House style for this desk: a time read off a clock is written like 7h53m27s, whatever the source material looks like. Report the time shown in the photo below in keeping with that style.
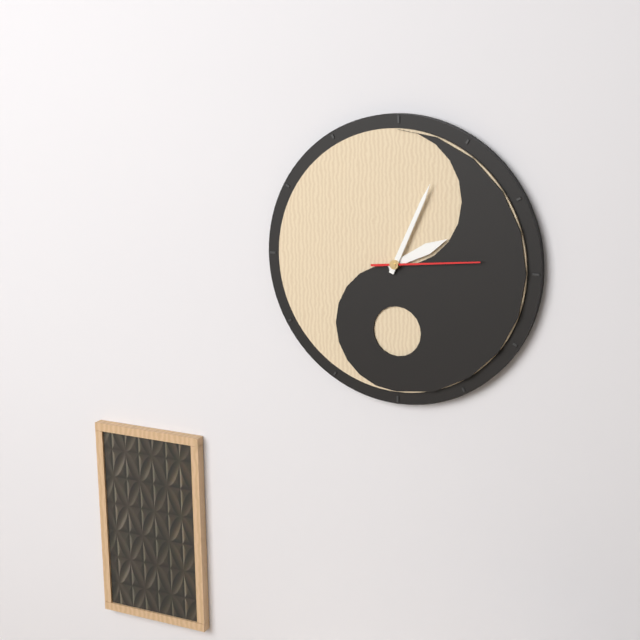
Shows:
2h04m14s
